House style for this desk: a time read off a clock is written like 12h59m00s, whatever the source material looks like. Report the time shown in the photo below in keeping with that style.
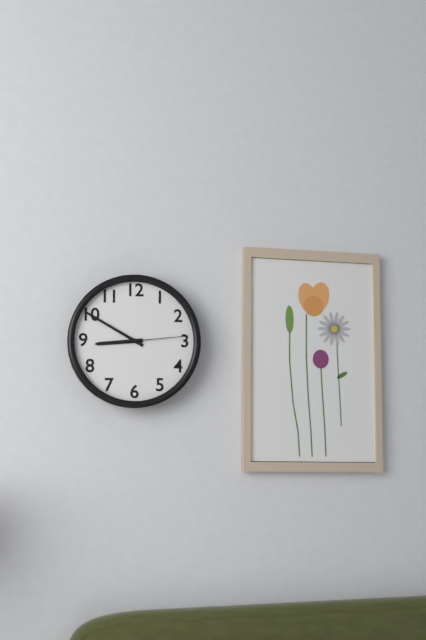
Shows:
8h50m14s
